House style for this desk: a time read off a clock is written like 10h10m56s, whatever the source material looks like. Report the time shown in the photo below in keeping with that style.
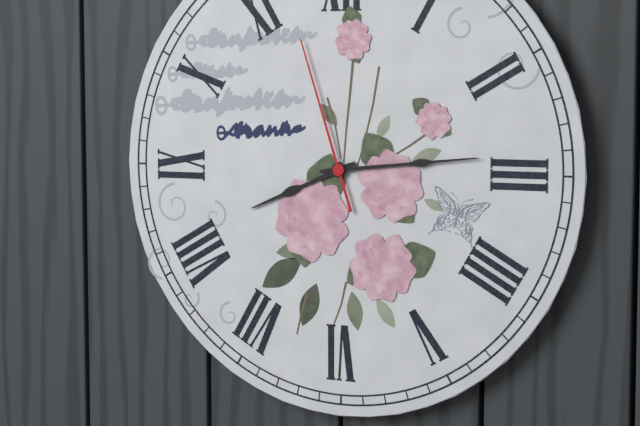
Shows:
8h14m57s
